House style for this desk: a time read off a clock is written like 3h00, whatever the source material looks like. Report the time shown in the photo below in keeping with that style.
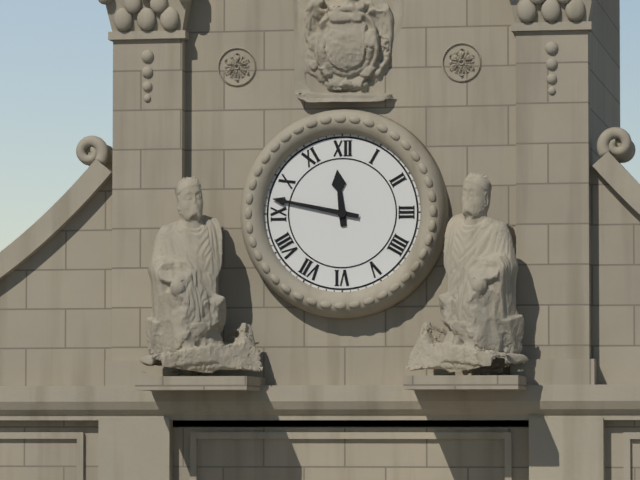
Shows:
11h47
